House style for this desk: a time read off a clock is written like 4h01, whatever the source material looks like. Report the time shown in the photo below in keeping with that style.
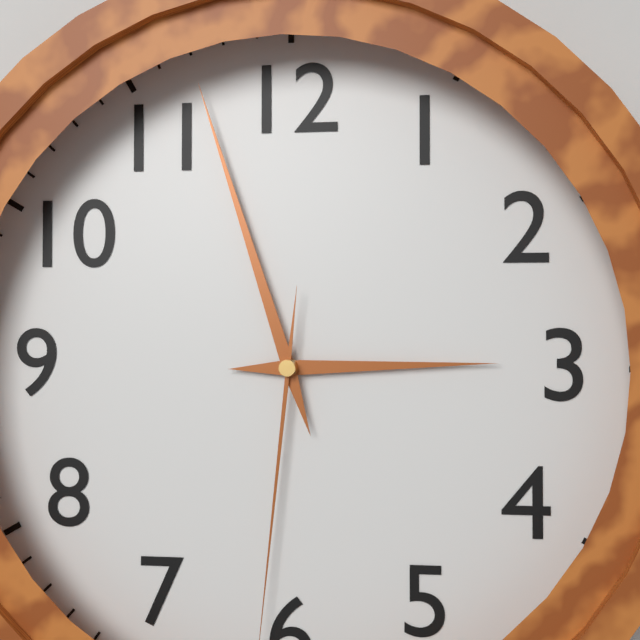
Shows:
2h57
